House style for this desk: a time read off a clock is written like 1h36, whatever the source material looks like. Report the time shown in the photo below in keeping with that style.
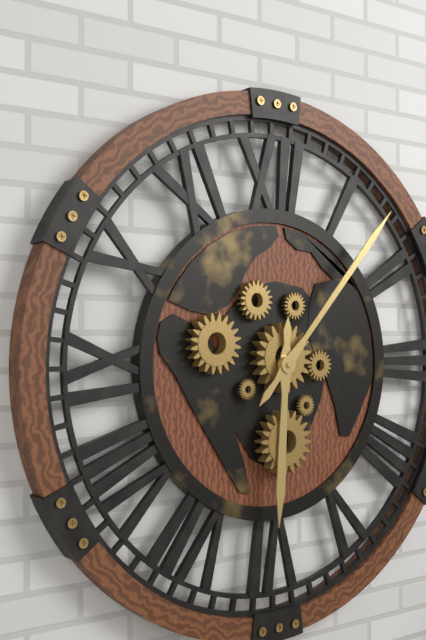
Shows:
6h07
